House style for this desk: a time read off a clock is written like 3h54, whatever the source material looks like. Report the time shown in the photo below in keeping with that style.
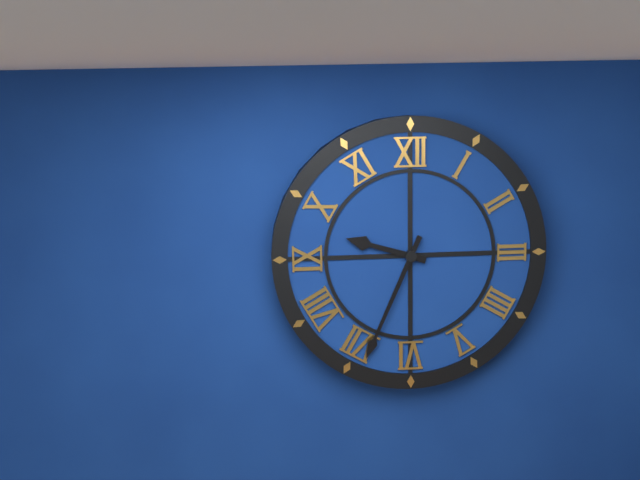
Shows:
9h34
